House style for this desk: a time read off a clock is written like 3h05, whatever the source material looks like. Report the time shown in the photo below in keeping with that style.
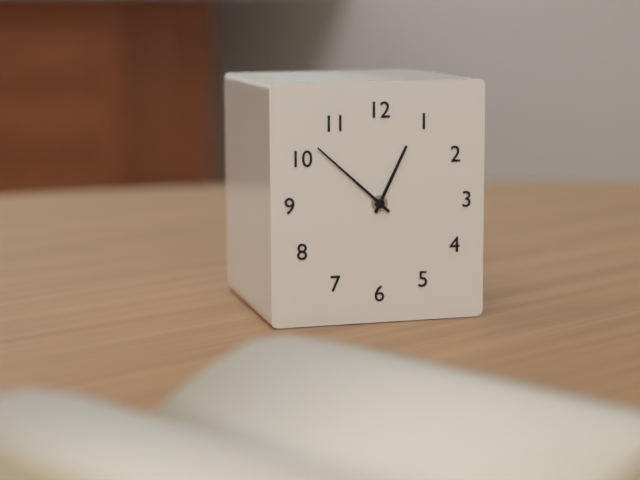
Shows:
12h52
